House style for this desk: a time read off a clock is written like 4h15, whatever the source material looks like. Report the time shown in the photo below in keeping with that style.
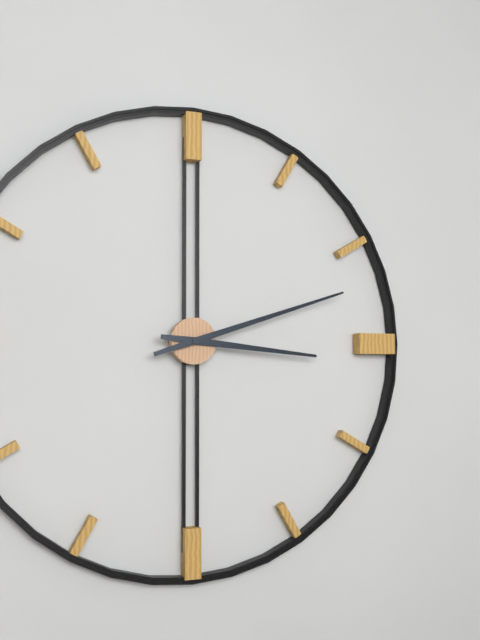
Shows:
3h12
